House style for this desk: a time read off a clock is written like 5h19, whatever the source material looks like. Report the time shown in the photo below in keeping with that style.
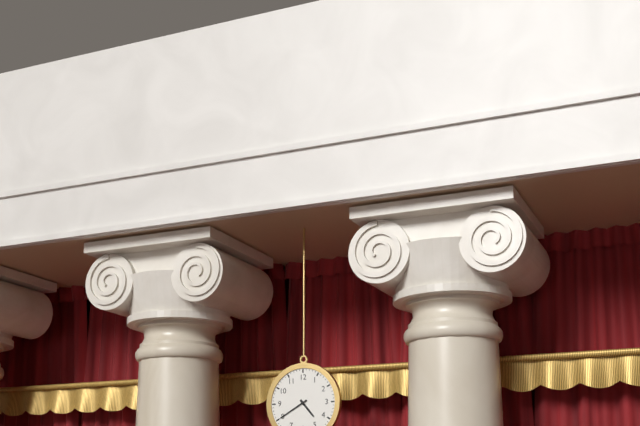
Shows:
4h40
